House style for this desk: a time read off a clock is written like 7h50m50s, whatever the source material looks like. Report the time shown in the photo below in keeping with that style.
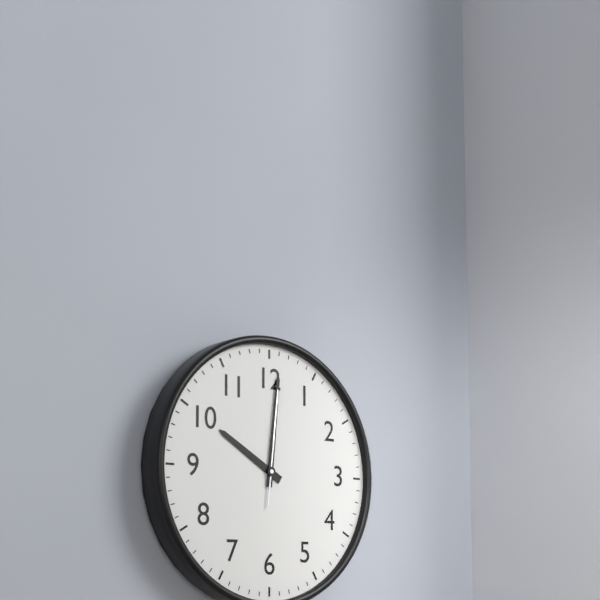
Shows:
10h01m01s
